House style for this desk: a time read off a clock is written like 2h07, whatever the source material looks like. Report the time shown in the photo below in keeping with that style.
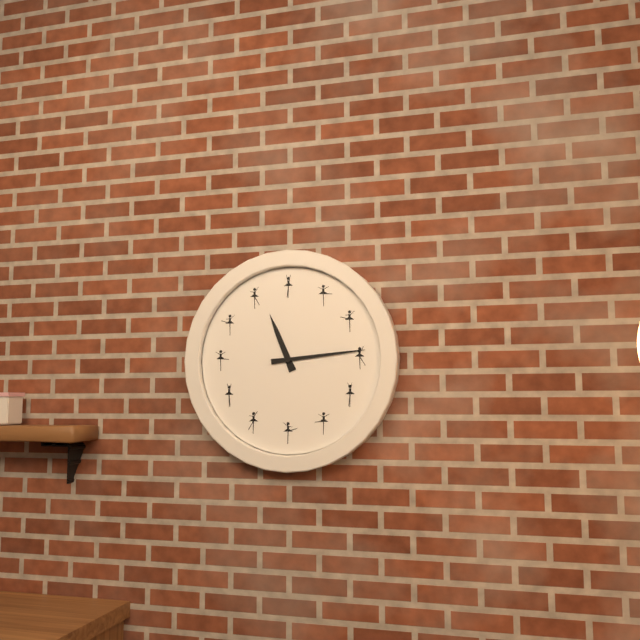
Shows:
11h14
